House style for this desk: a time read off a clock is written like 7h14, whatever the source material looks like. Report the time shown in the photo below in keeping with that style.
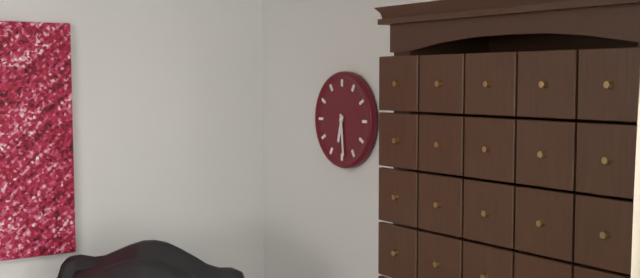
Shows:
6h29
